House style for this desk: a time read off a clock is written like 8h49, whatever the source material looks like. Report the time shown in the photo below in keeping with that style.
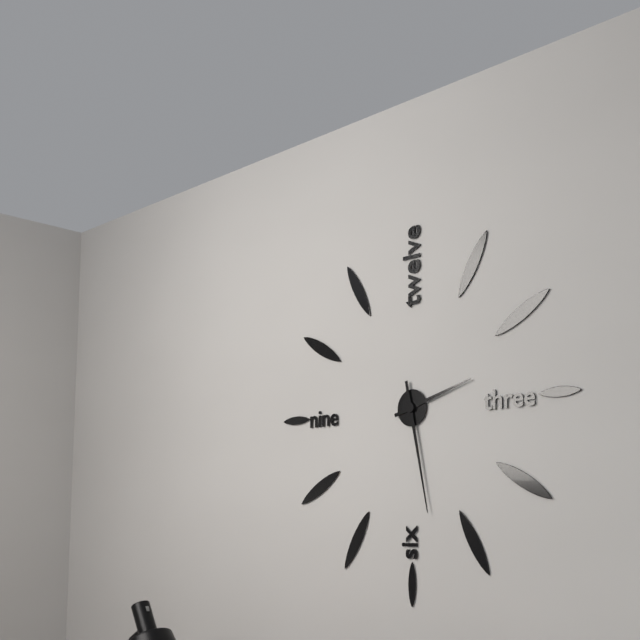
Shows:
2h28
